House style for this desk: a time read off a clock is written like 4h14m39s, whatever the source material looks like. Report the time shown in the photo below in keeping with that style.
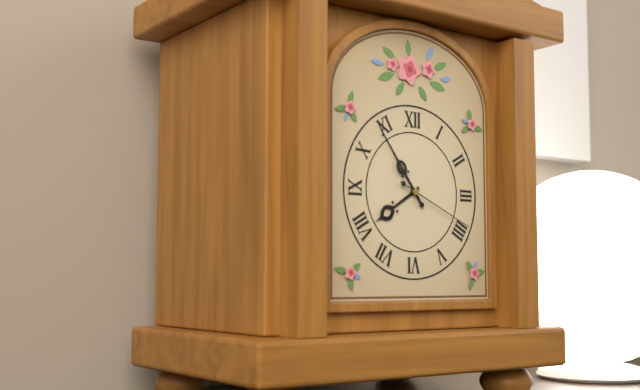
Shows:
7h54m19s
